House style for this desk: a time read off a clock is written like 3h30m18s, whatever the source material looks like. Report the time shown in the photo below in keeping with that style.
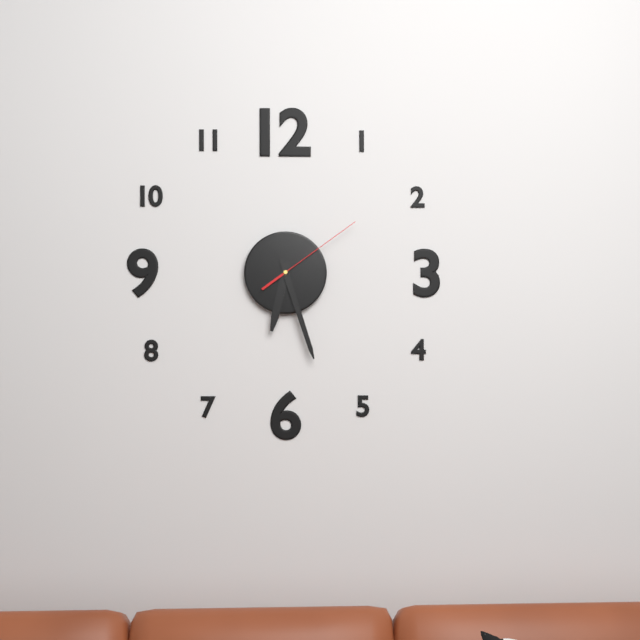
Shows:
6h27m09s
